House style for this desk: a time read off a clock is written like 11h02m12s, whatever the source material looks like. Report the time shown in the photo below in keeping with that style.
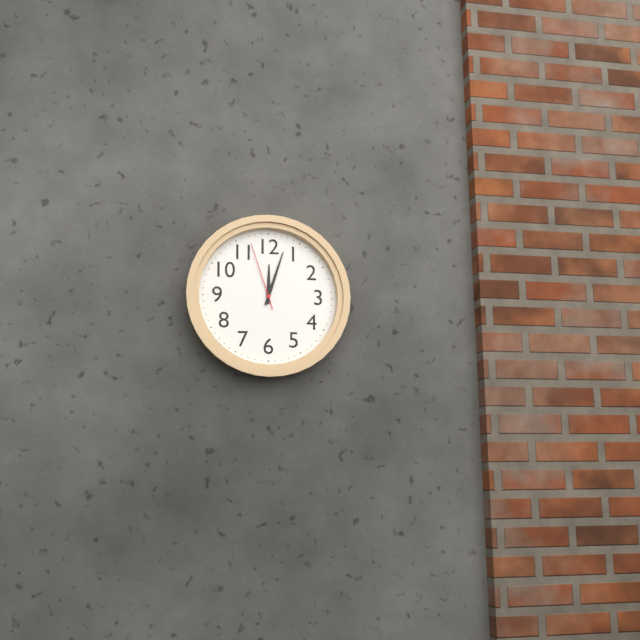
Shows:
12h03m57s
